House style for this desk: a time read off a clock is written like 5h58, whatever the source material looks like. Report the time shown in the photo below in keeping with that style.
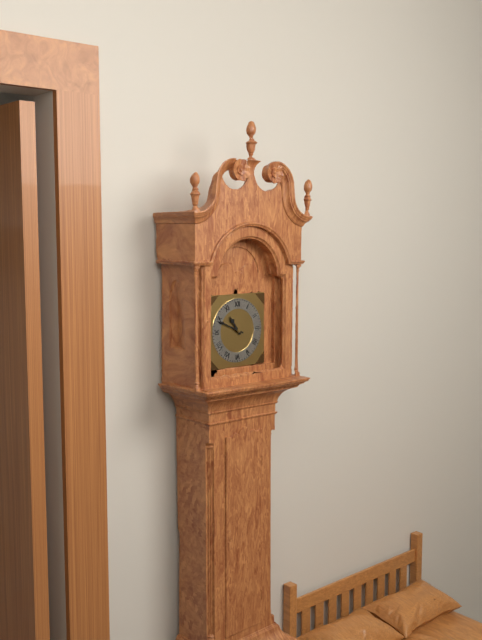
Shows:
10h49
